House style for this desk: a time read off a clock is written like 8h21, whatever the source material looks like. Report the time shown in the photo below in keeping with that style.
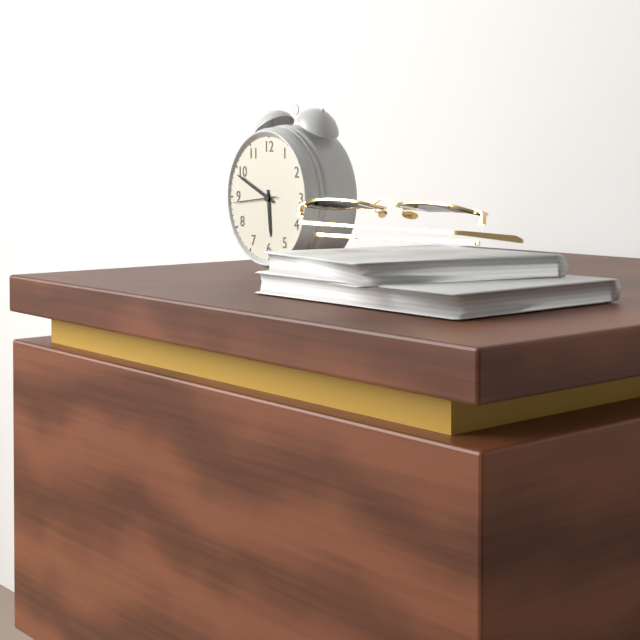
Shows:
5h49
